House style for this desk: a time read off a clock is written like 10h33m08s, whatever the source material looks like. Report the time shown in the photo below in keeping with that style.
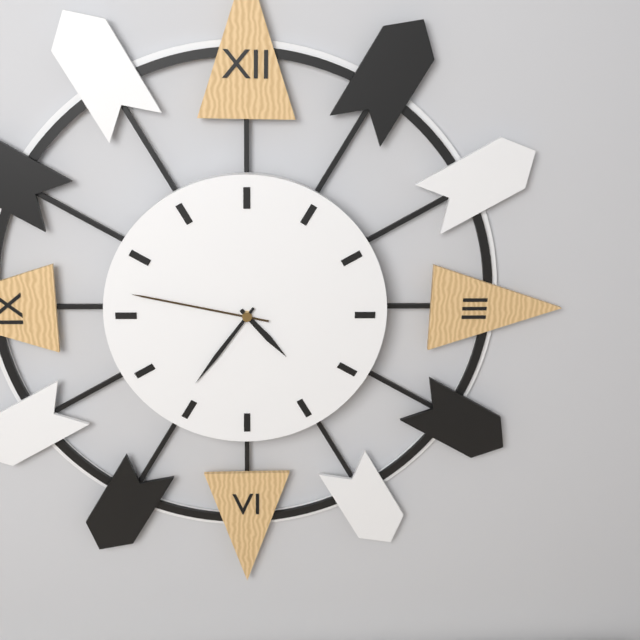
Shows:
4h36m47s
